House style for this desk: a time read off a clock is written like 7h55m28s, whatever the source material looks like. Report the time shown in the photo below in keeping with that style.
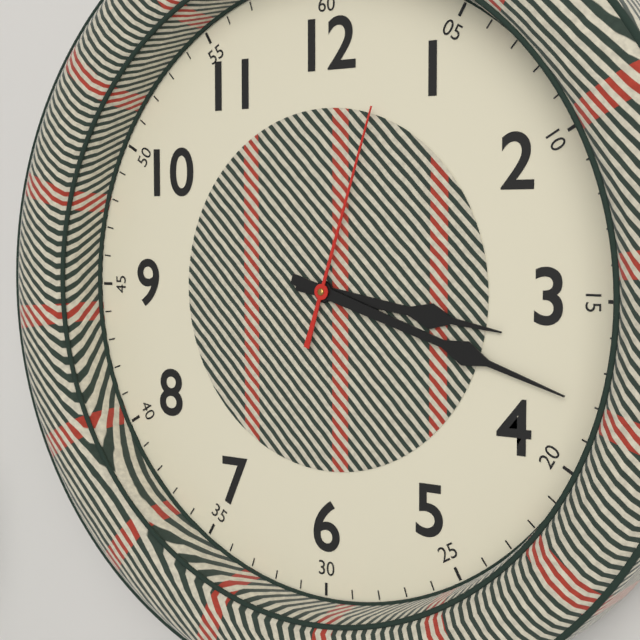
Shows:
3h18m03s
